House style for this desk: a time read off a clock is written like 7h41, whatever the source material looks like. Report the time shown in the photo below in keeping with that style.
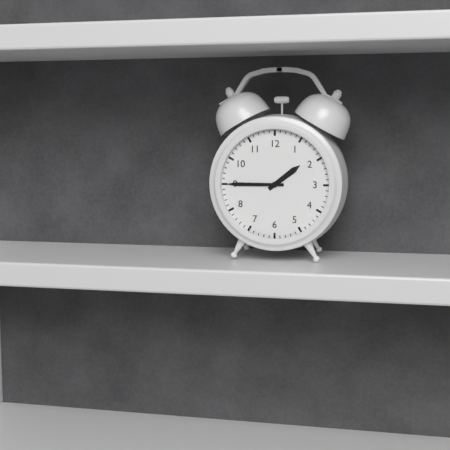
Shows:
1h45
